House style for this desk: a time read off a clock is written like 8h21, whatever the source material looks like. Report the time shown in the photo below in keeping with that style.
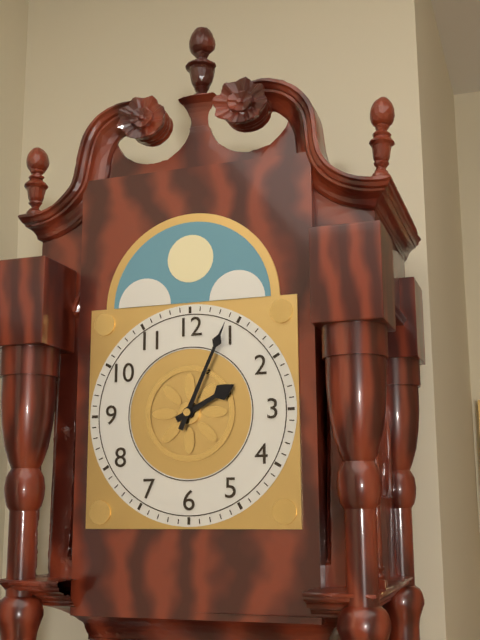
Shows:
2h04
